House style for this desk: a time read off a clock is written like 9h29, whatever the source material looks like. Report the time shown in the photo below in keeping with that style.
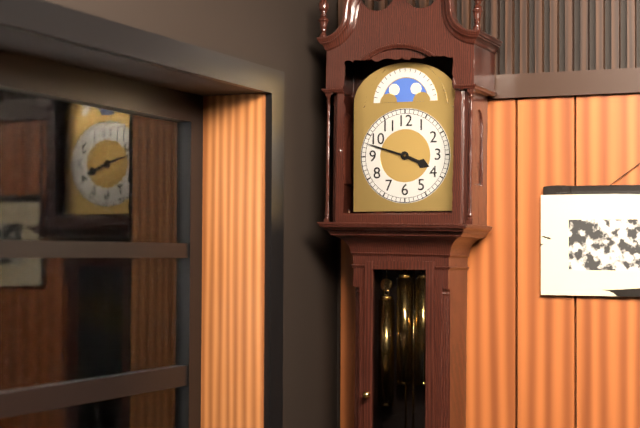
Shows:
3h48
